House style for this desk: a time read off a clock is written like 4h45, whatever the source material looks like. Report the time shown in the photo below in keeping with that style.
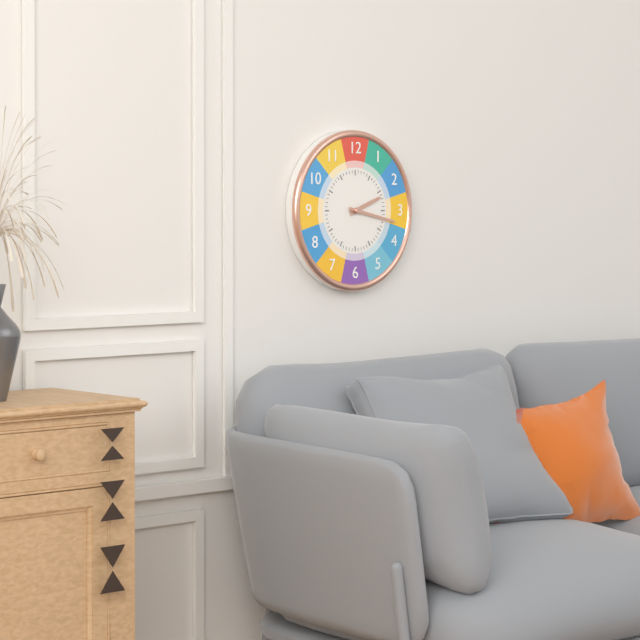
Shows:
2h17
